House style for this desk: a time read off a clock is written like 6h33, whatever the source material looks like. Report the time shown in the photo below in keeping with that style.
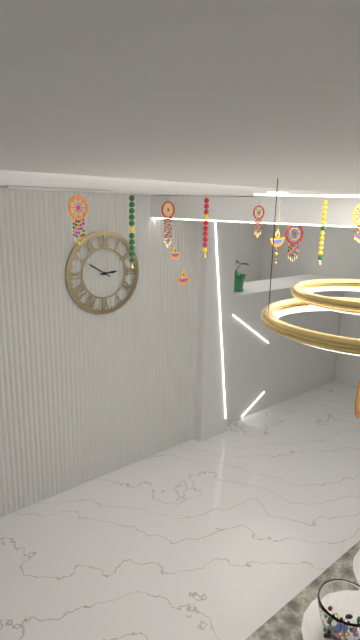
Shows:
2h50
